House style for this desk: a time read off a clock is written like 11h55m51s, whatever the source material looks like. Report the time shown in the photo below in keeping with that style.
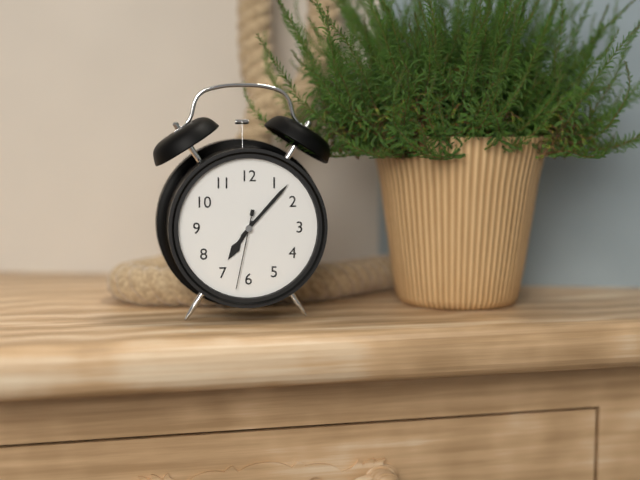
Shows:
7h07m32s
